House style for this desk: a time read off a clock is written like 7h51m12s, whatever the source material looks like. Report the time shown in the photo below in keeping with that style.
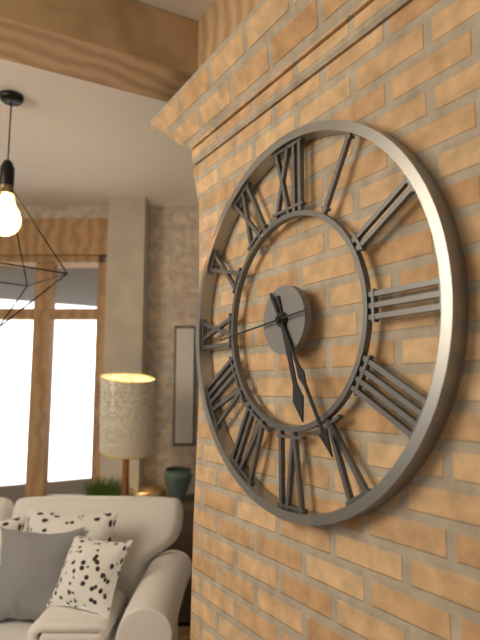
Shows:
5h25m44s
